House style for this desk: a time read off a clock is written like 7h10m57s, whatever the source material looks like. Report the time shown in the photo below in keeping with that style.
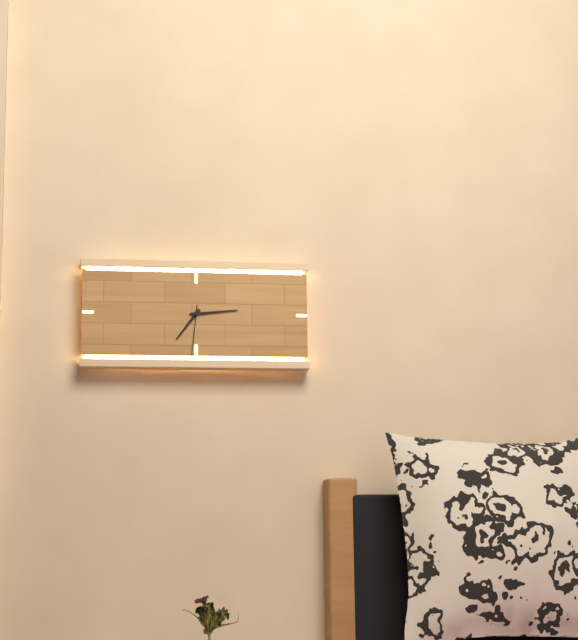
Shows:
7h14m31s
